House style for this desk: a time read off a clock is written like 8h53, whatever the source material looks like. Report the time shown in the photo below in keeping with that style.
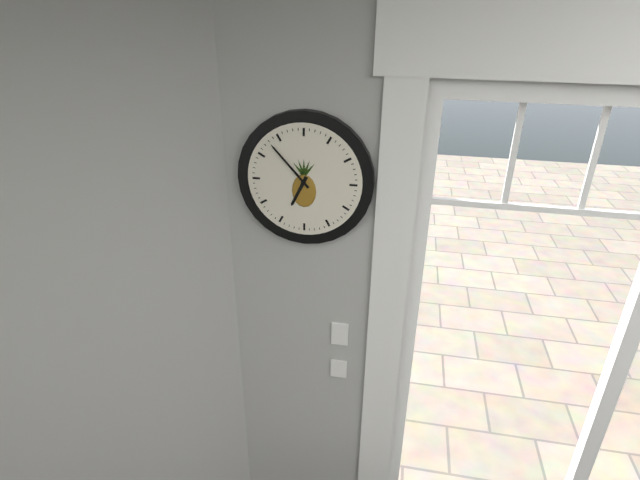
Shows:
6h53
